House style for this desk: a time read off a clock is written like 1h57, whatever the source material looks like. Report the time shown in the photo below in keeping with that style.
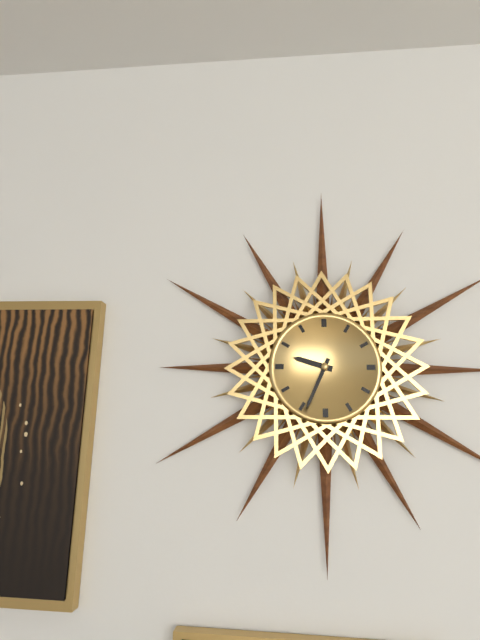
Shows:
9h34
